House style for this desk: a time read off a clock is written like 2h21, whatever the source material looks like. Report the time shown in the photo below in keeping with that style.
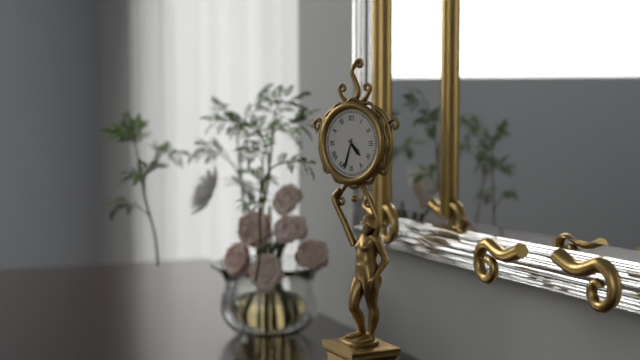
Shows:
4h33
